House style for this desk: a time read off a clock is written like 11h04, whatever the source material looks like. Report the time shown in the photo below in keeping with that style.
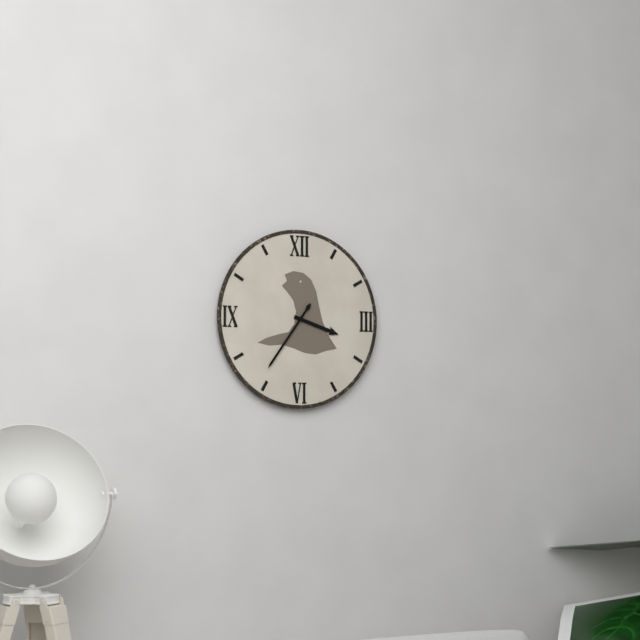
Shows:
3h36
